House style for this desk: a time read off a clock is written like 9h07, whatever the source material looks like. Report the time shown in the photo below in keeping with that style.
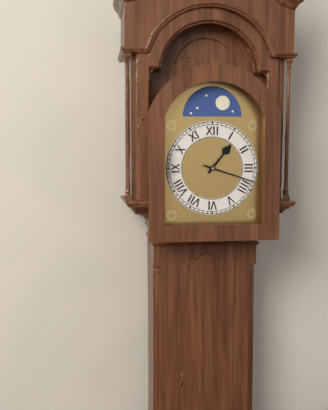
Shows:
1h18
